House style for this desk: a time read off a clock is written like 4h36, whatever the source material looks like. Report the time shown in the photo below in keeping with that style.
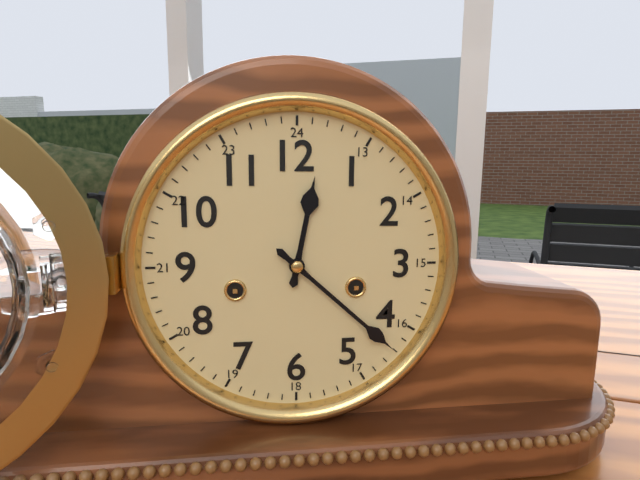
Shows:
12h22
